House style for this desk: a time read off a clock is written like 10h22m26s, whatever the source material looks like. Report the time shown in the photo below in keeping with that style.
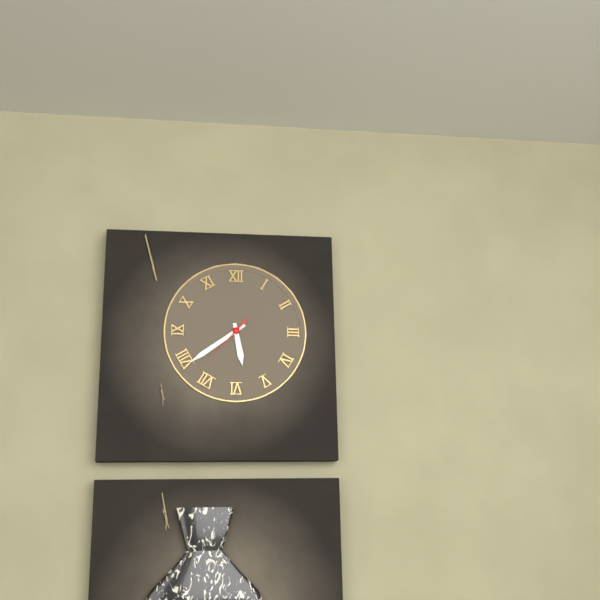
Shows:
5h39m37s
